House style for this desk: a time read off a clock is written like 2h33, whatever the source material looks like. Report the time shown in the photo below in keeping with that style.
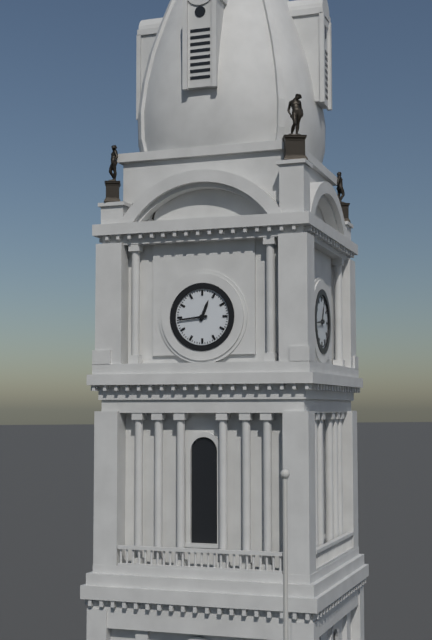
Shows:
12h44
